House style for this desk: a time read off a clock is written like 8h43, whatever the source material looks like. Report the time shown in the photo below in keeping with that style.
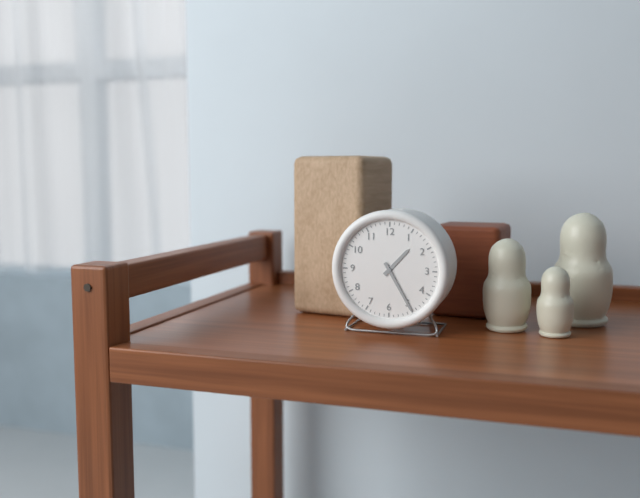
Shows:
1h25
